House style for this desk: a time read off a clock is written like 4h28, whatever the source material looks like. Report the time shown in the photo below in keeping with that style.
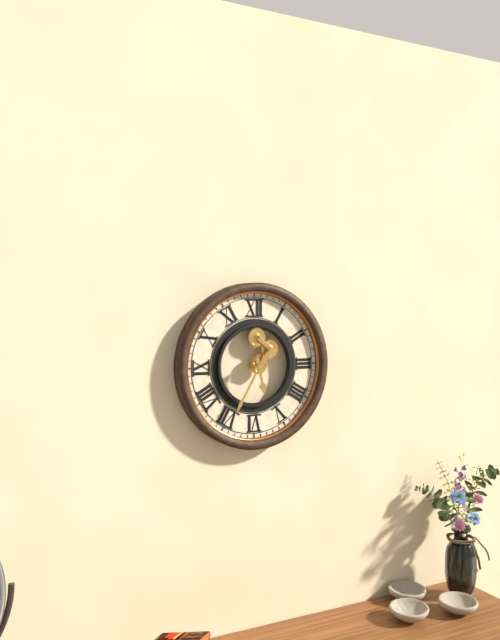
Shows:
5h35
